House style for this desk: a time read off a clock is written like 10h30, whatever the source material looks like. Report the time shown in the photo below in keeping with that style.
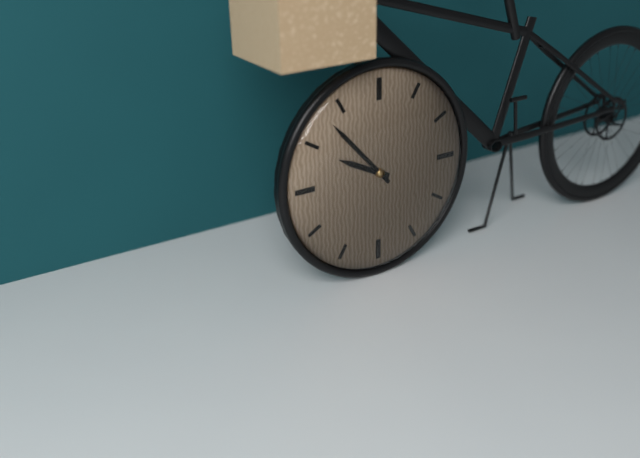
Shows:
9h53
